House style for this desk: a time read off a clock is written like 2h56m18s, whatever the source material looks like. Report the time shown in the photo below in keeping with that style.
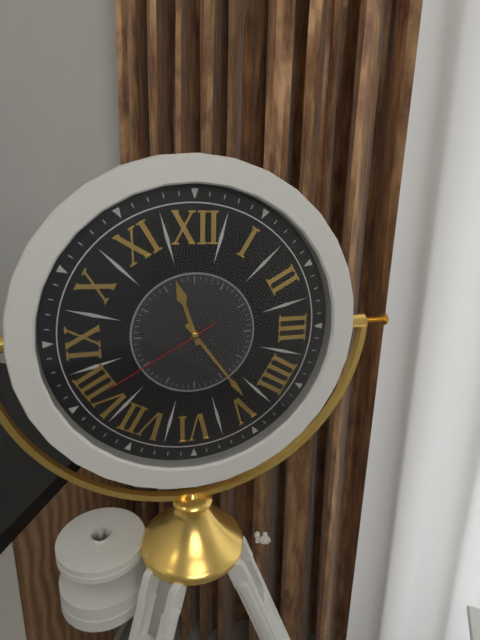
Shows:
11h24m40s
